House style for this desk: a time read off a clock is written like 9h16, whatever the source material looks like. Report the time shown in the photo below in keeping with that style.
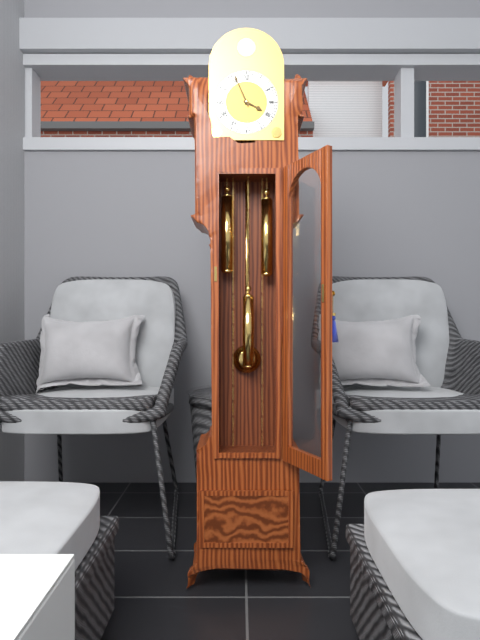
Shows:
3h56
